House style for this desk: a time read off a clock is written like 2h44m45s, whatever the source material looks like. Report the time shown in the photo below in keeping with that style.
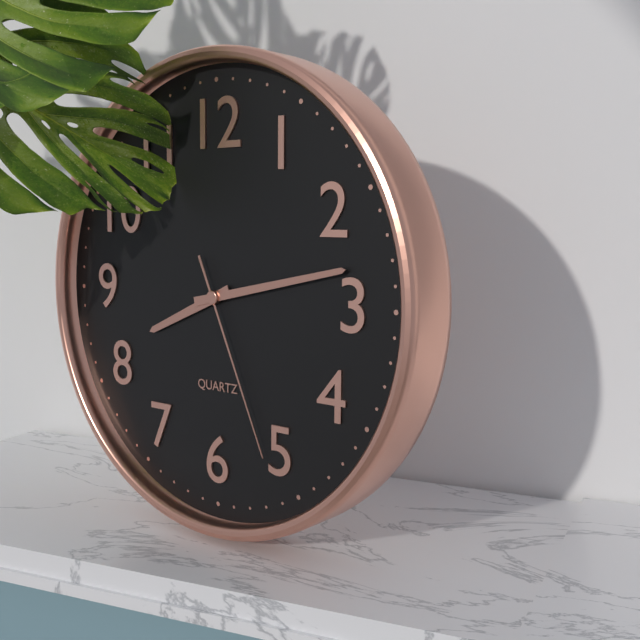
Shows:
8h13m26s
